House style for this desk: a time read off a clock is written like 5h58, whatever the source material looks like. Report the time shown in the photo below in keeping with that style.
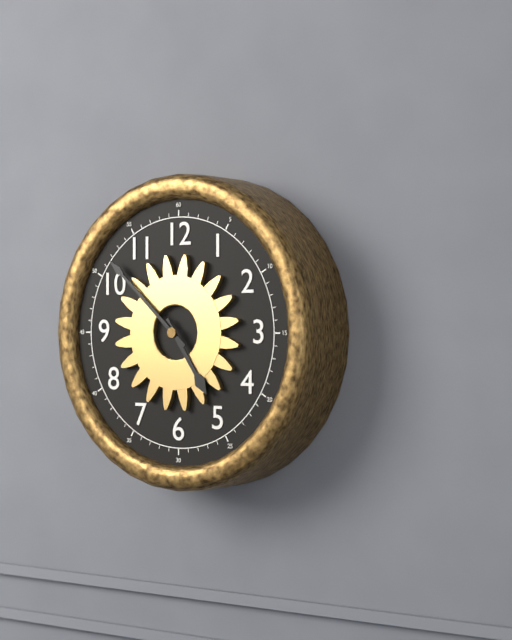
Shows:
4h52
